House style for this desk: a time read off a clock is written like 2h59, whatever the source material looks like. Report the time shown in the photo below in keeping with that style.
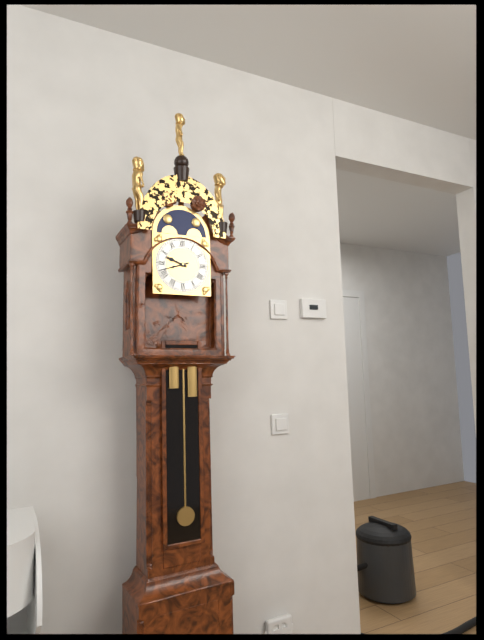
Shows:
9h42
